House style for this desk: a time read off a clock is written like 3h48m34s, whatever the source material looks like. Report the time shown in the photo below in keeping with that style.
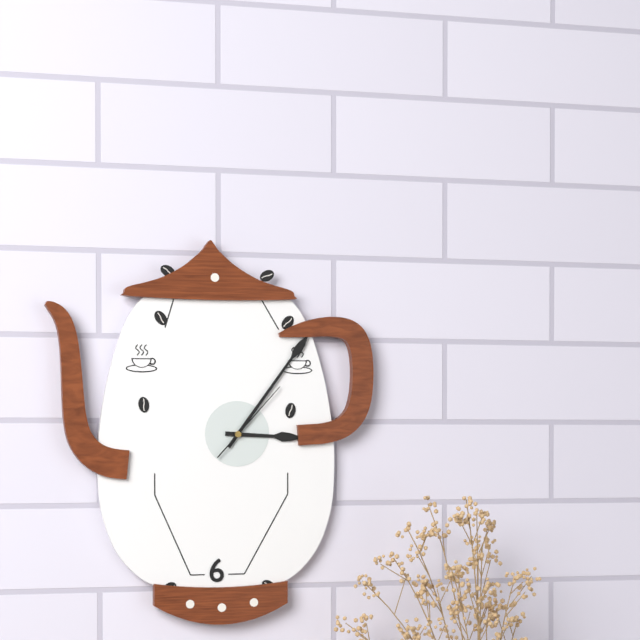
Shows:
3h06m07s
